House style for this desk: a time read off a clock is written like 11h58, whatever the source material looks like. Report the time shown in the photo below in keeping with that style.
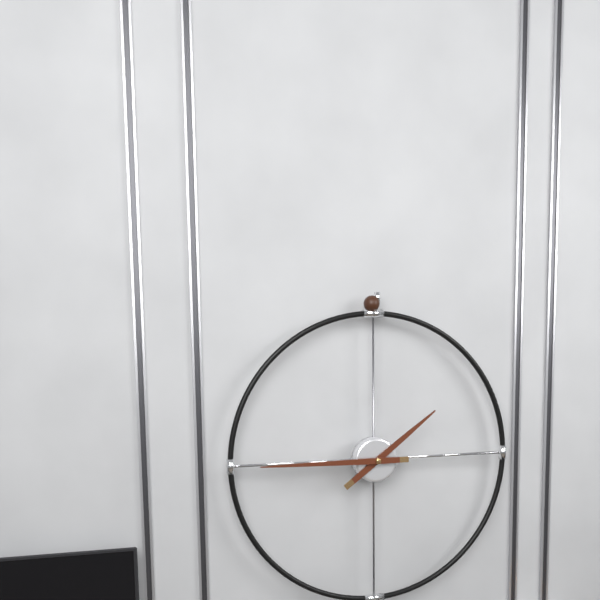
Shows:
1h45
